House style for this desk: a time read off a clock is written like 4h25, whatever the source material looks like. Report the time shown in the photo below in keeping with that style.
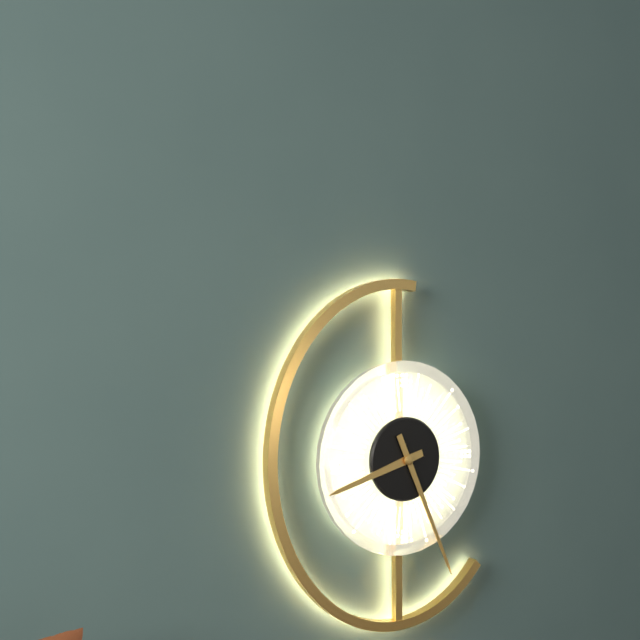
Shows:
8h26
